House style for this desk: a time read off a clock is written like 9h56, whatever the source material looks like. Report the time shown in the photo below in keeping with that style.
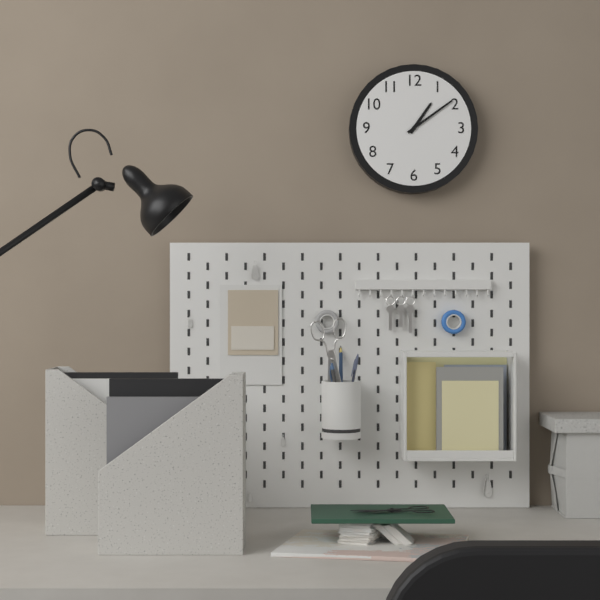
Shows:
1h09
